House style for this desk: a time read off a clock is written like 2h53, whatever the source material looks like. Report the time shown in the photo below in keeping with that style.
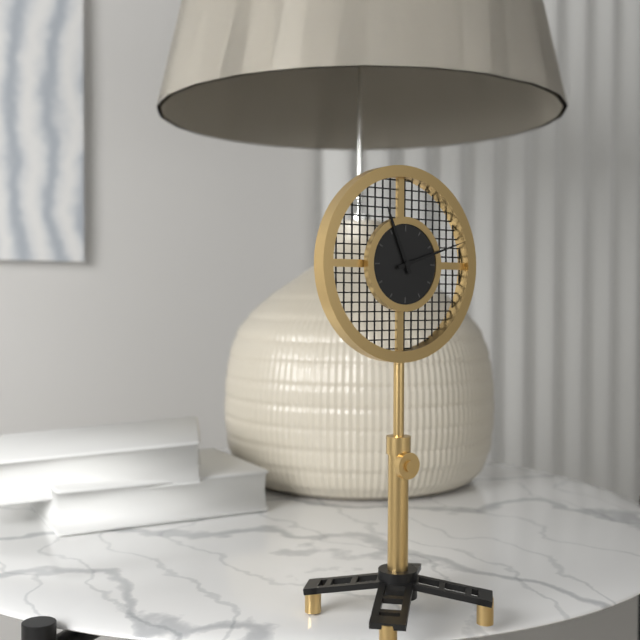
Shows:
11h12
